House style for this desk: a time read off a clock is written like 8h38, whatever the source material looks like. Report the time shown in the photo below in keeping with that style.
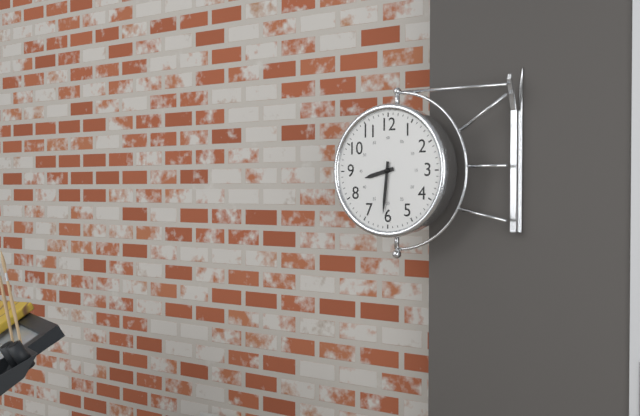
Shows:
8h31
